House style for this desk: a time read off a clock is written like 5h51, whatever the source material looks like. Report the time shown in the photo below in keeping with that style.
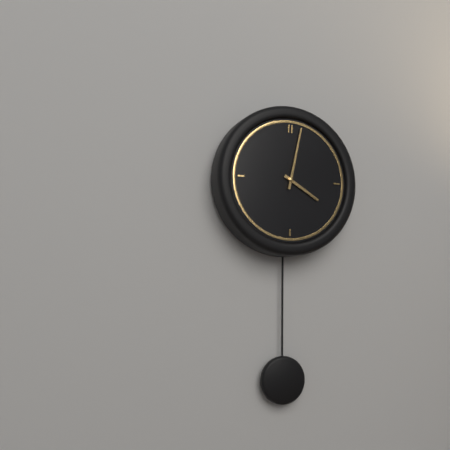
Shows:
4h02
